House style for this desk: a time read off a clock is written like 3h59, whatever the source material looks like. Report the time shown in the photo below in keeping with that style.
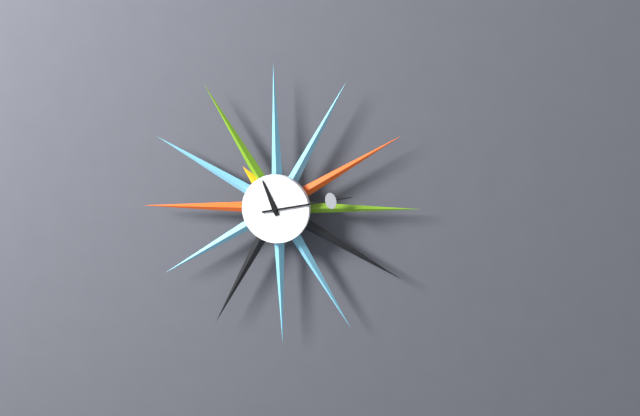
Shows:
11h13
